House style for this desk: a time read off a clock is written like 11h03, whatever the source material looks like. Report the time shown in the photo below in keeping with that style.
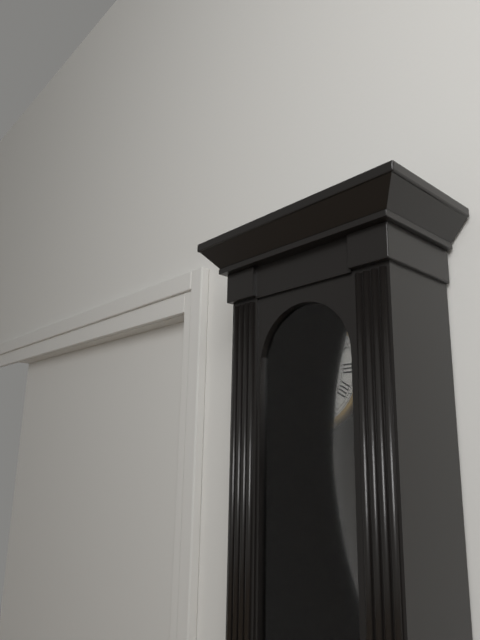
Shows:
4h05
